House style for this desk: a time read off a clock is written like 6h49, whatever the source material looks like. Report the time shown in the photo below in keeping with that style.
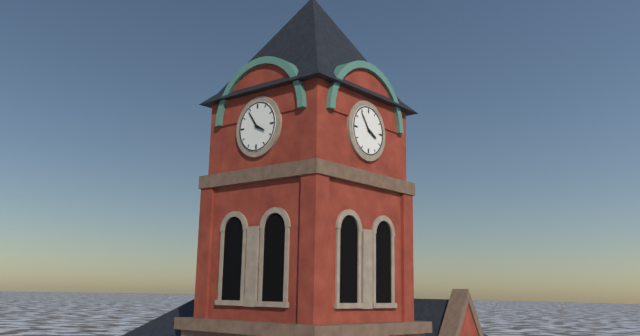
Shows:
3h54
